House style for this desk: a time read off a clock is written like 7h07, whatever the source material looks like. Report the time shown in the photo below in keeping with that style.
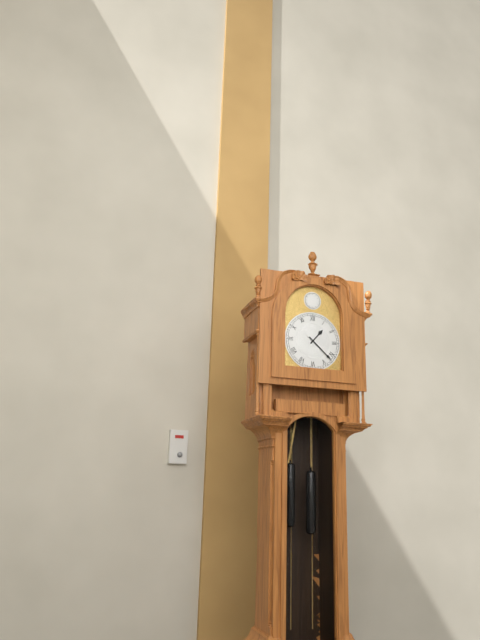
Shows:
1h22
